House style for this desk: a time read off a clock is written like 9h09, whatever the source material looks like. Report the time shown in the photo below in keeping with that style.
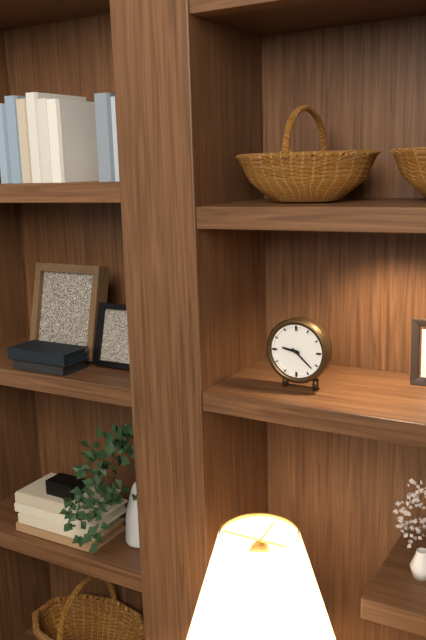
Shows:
9h22
